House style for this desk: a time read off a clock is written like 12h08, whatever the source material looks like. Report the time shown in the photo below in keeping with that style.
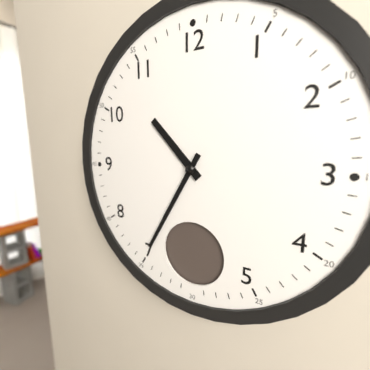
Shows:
10h35
